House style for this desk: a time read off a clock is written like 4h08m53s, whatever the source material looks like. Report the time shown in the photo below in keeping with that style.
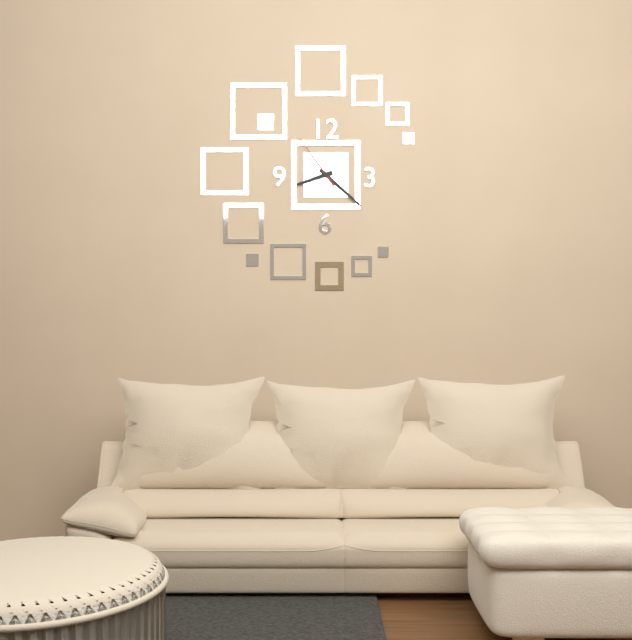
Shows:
8h22m54s
